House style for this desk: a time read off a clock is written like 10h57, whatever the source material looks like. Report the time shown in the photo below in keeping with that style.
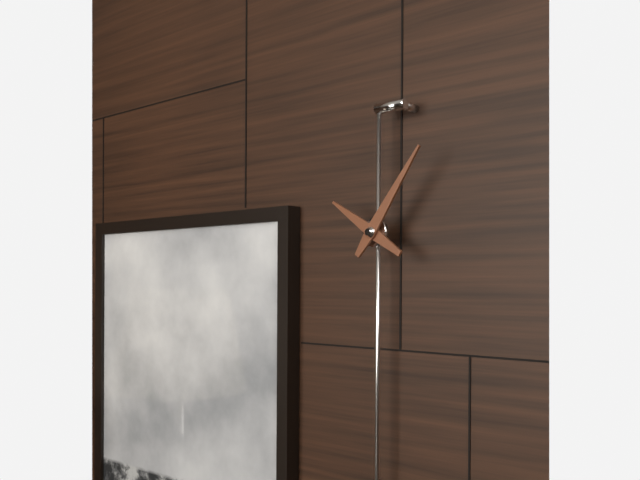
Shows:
10h06
